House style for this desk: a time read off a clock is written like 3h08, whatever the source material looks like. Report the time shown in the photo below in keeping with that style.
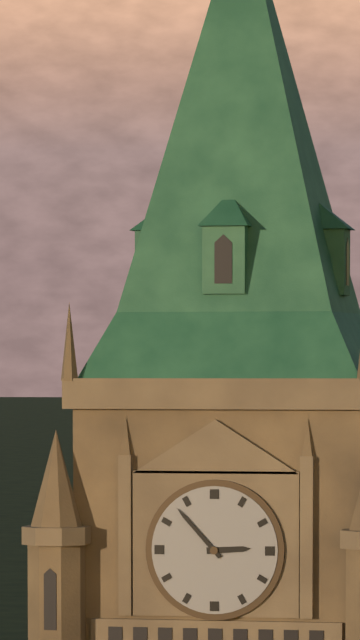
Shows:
2h53
